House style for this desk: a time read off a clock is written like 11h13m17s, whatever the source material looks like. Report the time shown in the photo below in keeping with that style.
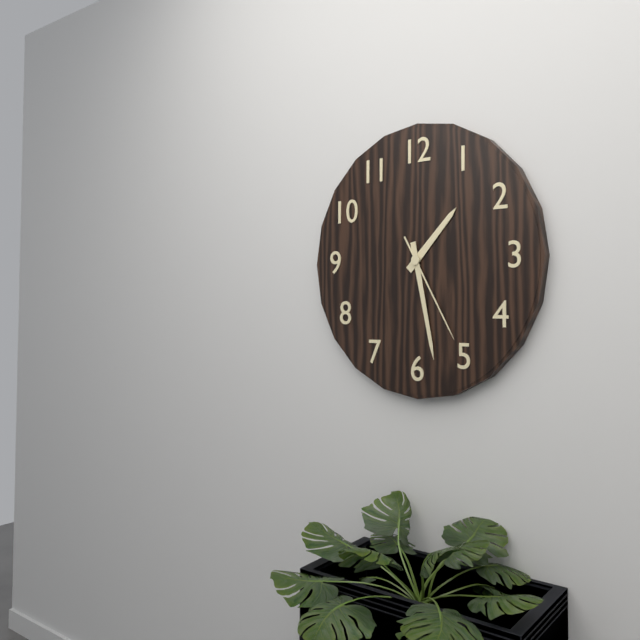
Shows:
1h28m25s
